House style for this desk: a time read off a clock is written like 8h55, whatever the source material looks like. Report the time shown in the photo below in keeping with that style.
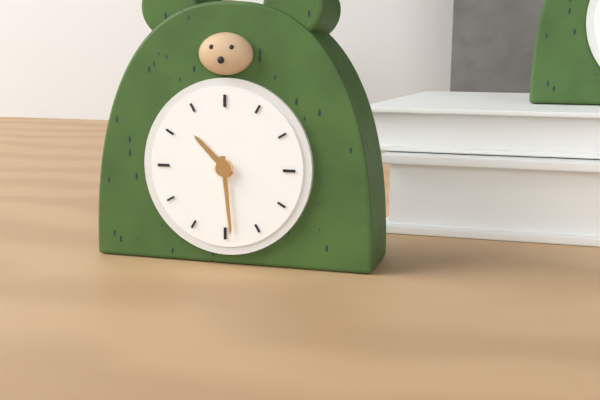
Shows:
10h29
